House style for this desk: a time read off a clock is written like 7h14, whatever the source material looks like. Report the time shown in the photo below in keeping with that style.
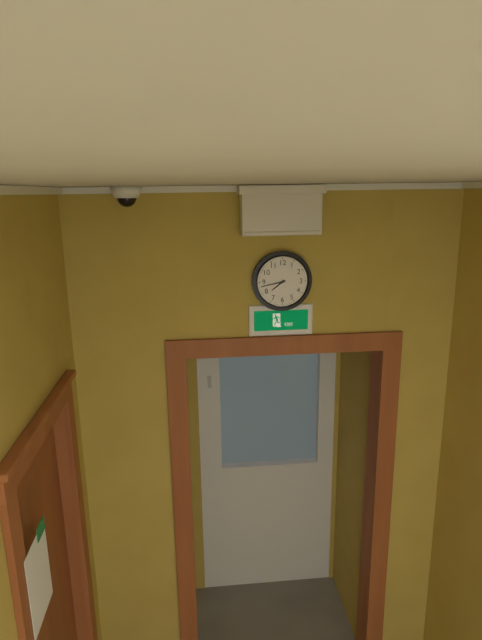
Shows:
7h43
